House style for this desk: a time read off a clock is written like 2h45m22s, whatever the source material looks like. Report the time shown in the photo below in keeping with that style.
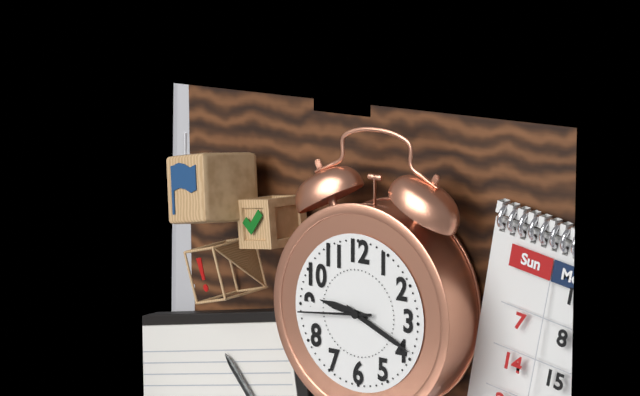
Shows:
9h19m44s
